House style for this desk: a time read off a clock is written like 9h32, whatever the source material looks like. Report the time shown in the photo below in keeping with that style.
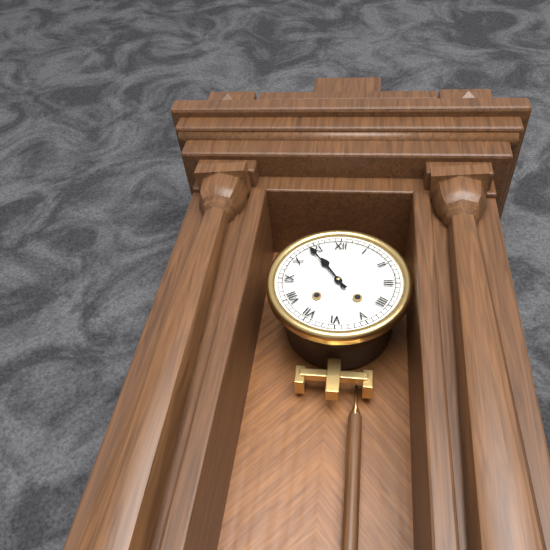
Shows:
10h54
